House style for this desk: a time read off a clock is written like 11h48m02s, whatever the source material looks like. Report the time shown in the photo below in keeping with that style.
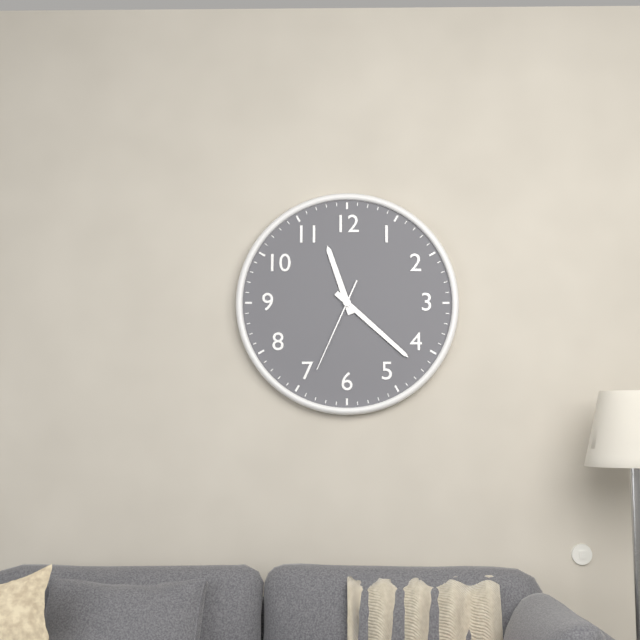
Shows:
11h22m34s
